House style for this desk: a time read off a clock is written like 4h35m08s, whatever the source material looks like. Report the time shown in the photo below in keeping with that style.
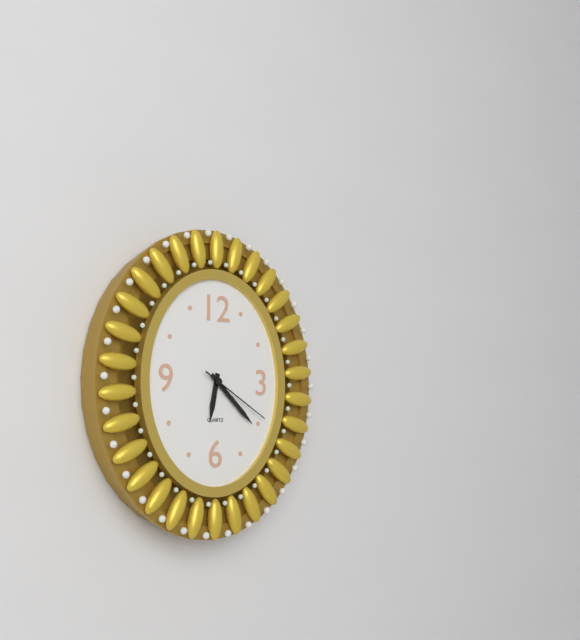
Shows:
6h22m20s
